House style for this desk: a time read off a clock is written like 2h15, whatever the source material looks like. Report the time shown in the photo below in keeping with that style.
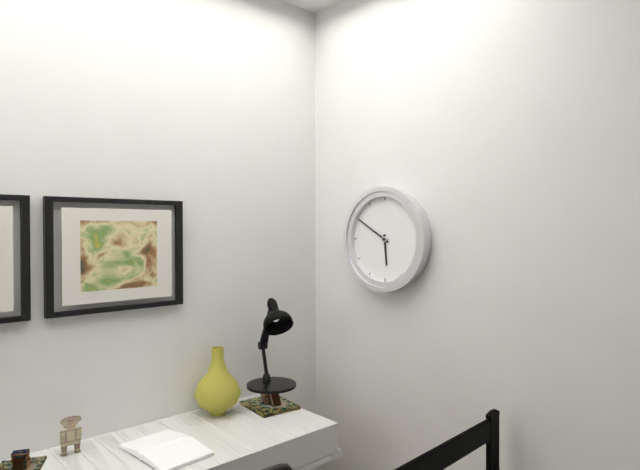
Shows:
5h50
